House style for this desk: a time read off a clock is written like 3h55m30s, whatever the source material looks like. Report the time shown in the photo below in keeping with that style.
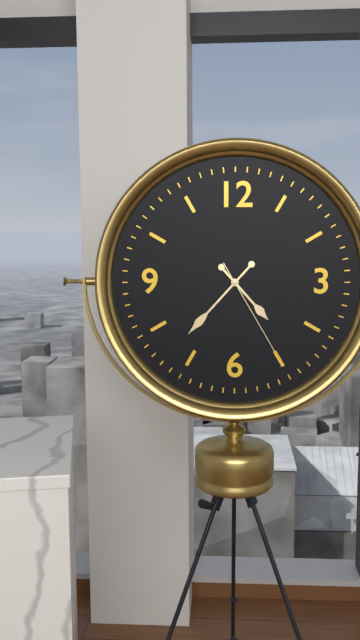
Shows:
4h37m25s
